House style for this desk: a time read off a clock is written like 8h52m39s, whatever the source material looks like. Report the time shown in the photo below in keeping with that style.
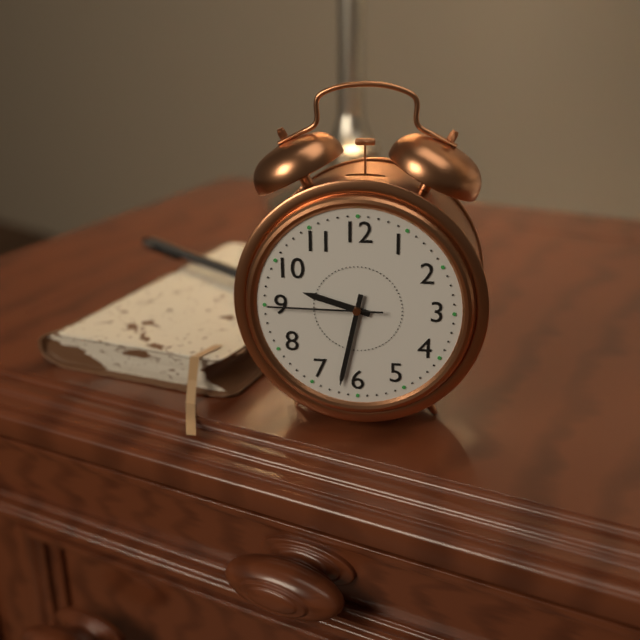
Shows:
9h32m45s
